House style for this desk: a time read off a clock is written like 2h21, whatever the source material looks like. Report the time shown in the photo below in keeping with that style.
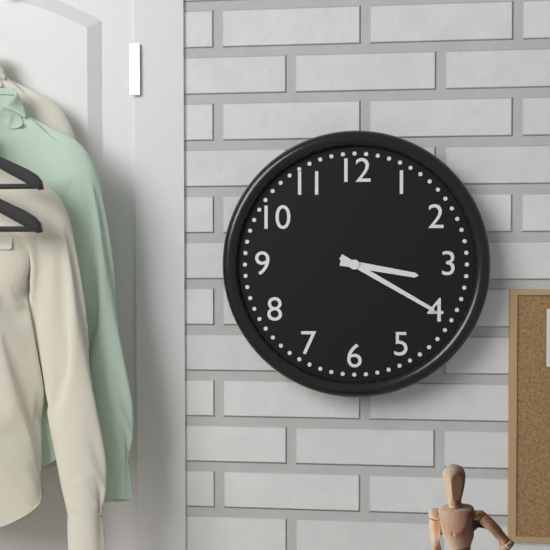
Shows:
3h20
